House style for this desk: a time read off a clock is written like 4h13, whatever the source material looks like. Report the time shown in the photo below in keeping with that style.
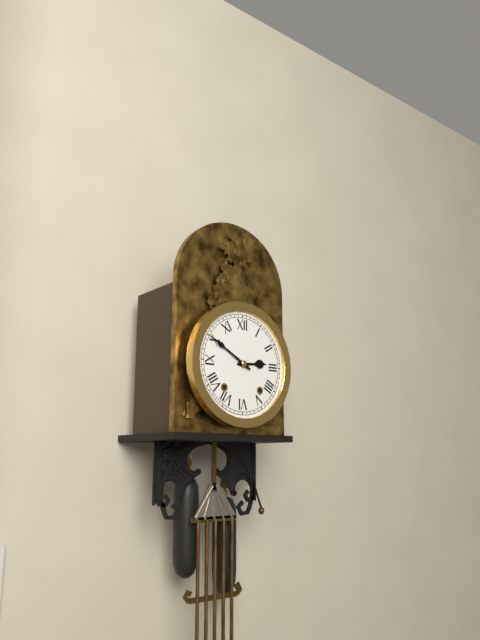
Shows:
2h50
